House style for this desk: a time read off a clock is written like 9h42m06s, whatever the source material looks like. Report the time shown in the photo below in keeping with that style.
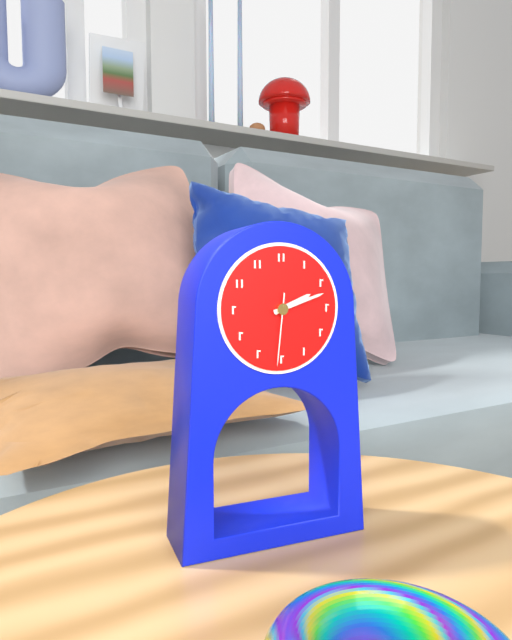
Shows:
2h12m31s
